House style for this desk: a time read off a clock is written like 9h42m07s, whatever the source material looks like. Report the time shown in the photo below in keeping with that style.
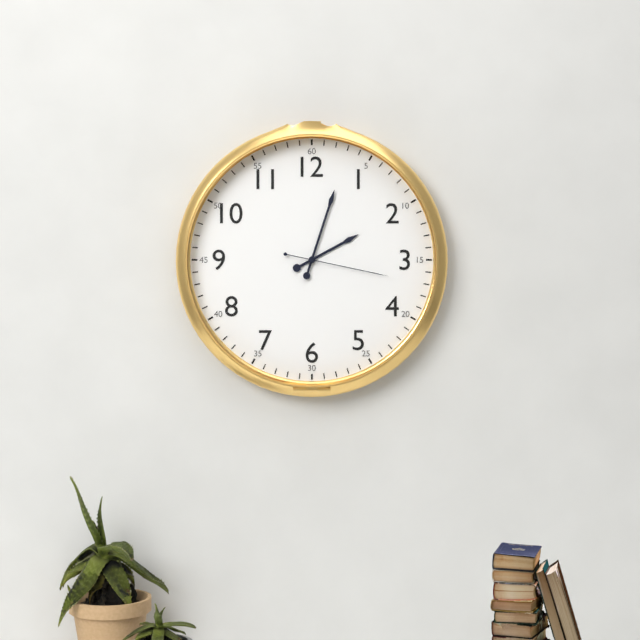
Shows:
2h03m17s
